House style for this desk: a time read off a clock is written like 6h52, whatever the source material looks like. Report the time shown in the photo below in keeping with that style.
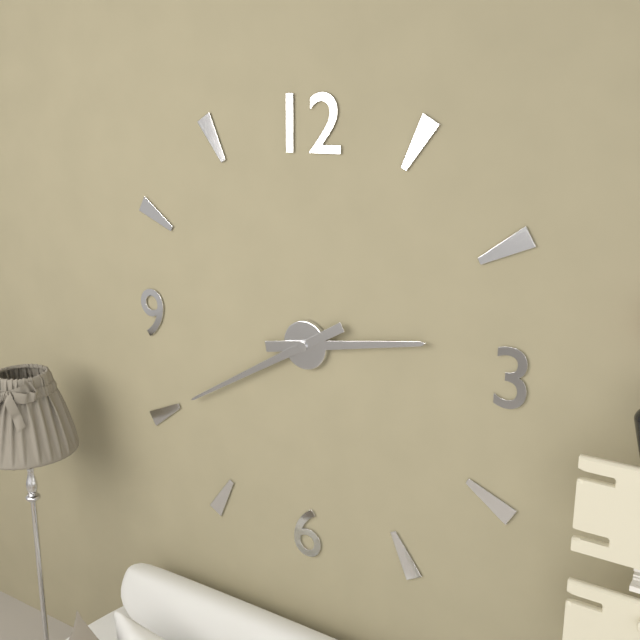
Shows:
2h40
